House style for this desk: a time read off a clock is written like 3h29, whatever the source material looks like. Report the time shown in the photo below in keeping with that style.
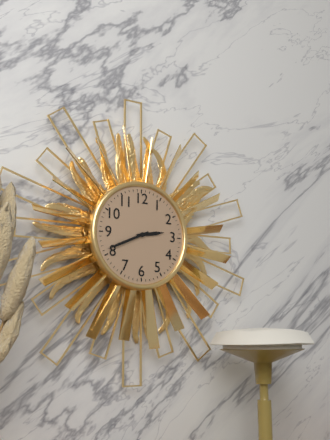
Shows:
2h41
